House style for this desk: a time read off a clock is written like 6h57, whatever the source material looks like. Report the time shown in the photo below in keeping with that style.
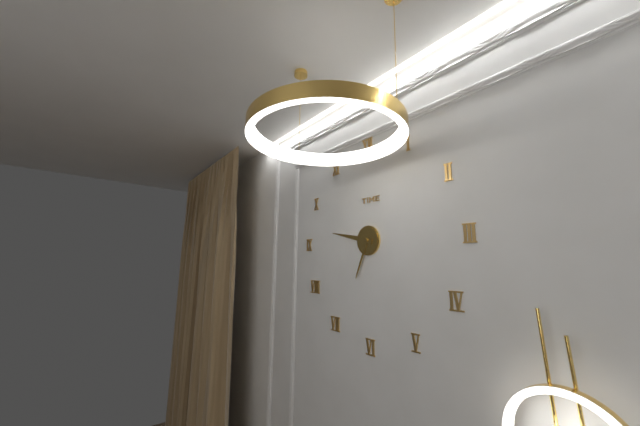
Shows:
6h47
